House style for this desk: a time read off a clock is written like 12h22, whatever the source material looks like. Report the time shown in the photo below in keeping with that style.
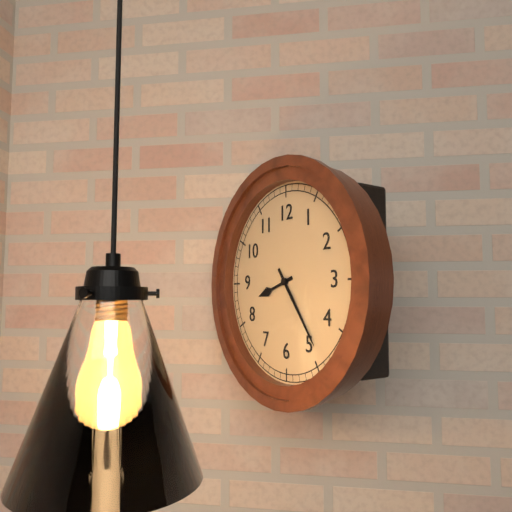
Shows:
8h24
